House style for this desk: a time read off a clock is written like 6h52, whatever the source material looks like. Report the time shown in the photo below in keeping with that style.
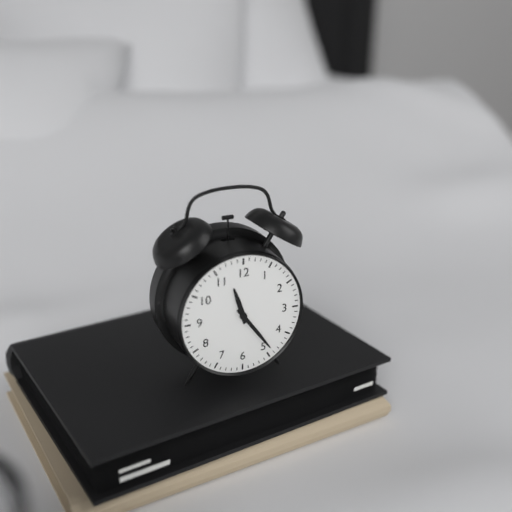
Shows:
11h24
